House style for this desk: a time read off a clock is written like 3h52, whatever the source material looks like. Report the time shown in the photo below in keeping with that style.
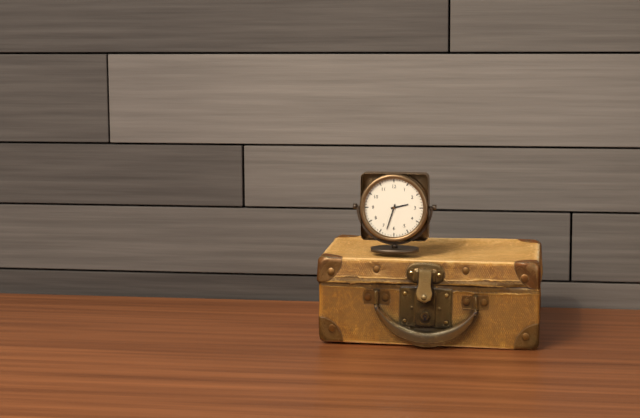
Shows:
2h33
